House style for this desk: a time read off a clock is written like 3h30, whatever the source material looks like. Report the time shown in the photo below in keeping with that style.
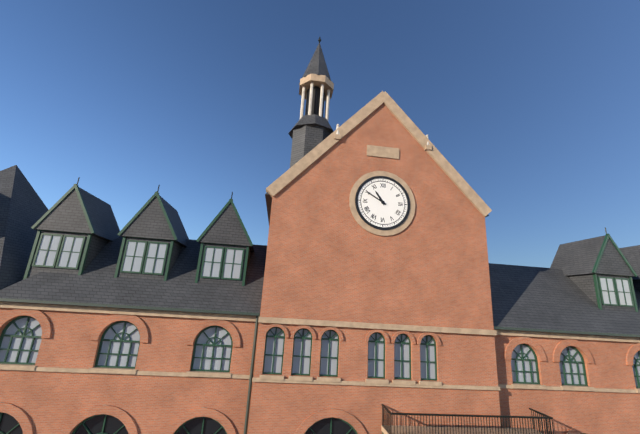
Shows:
10h50
